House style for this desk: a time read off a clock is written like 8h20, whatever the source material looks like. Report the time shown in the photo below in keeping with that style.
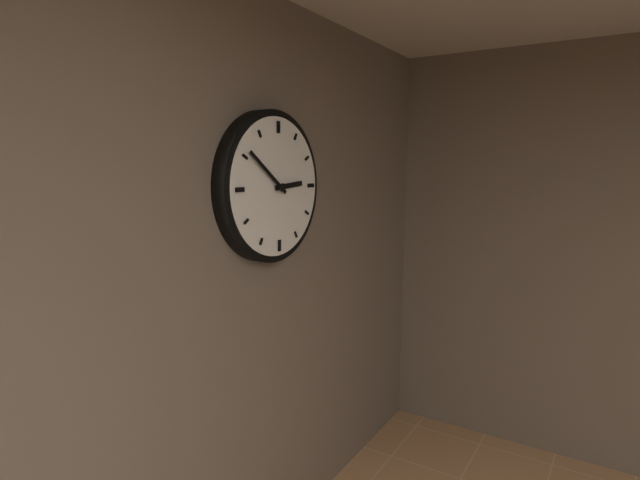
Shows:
2h51
